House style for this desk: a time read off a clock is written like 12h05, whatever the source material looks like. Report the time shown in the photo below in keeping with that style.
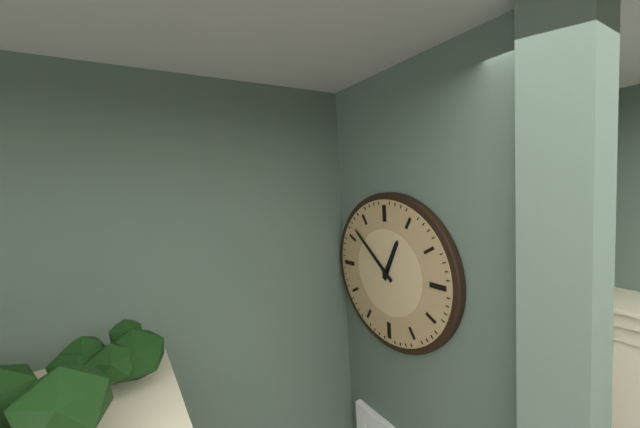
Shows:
12h52
